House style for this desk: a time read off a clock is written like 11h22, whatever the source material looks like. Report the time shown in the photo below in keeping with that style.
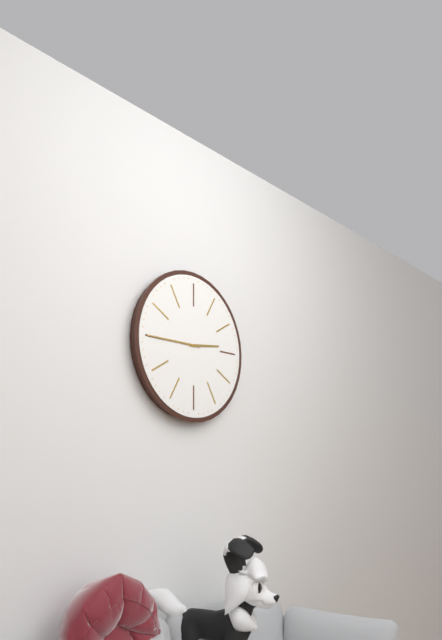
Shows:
2h45
